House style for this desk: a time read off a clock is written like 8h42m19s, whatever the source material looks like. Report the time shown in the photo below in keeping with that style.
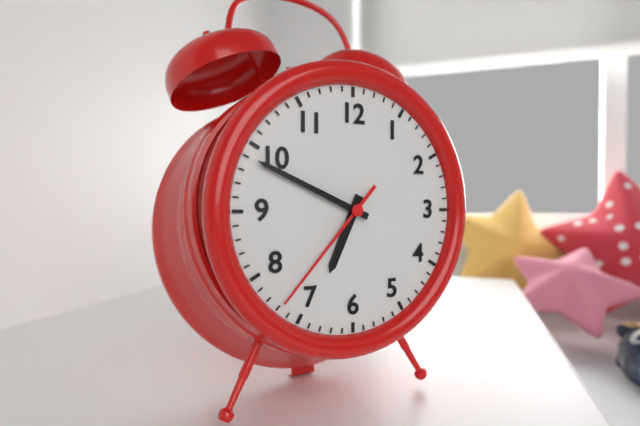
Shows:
6h49m37s
